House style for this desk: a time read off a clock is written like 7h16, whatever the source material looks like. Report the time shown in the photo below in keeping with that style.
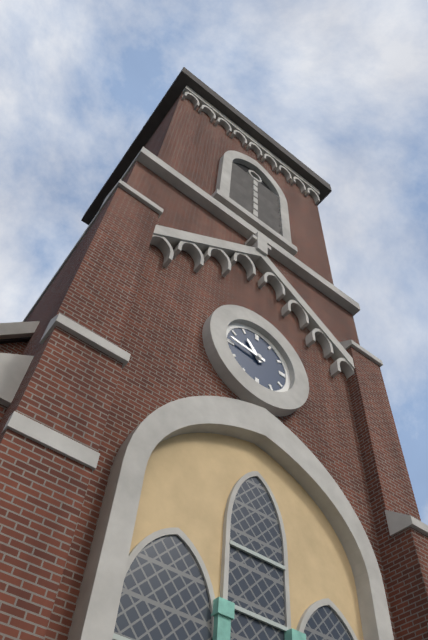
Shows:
10h46
